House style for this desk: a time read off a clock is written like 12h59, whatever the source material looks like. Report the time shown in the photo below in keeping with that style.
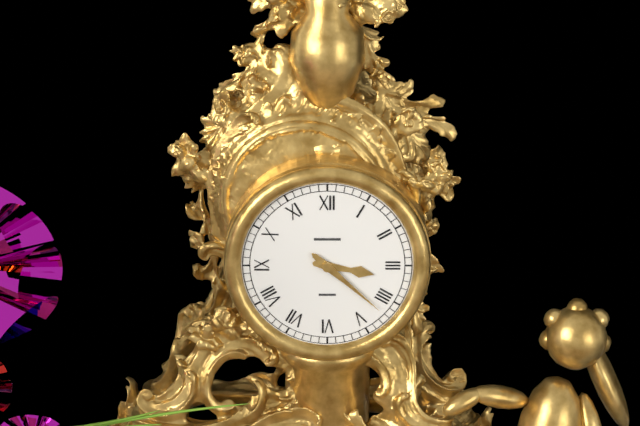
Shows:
3h22
